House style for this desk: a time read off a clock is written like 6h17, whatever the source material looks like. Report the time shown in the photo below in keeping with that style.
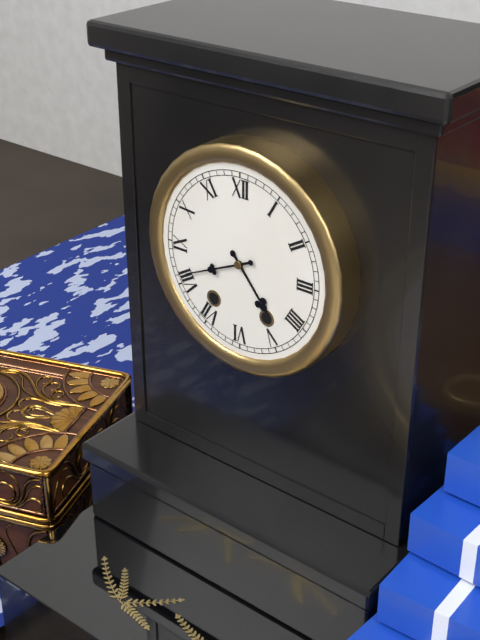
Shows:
4h41
